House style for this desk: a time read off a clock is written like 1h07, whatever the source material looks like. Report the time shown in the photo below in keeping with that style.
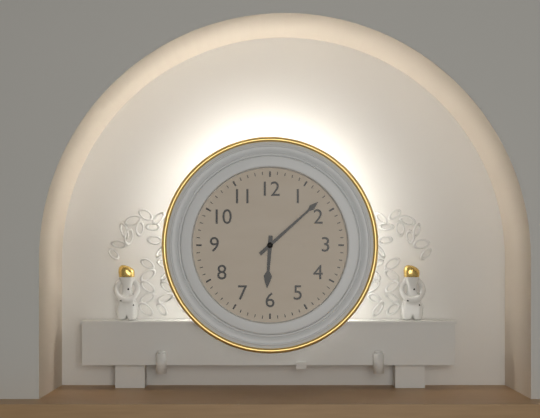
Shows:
6h08
